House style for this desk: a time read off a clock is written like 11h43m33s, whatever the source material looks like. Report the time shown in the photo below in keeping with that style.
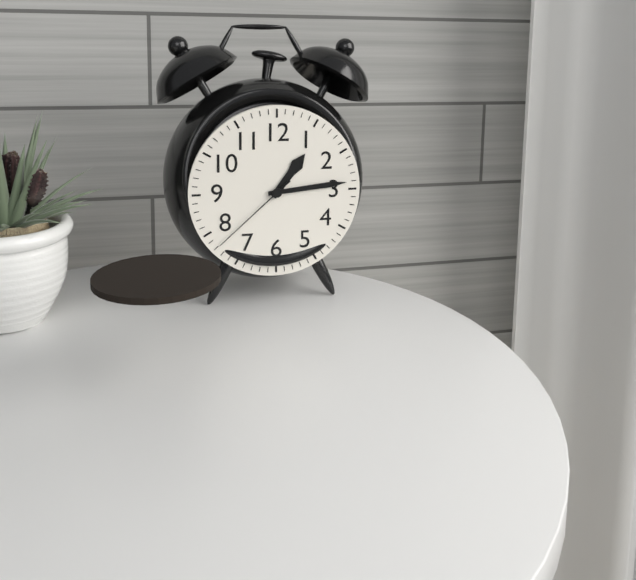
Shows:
1h14m38s
